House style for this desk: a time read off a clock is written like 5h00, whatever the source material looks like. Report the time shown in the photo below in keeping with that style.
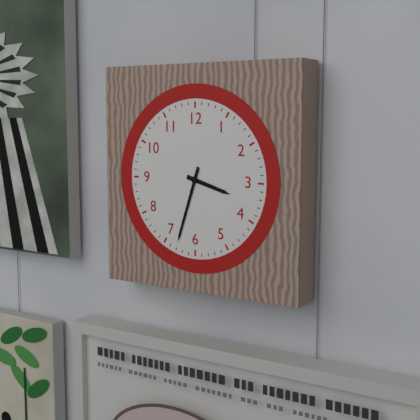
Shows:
3h33
